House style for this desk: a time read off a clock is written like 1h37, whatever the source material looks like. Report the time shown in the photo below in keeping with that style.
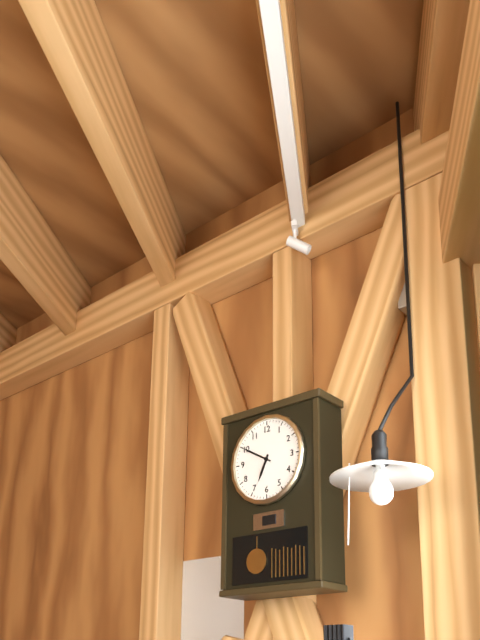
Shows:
6h50
